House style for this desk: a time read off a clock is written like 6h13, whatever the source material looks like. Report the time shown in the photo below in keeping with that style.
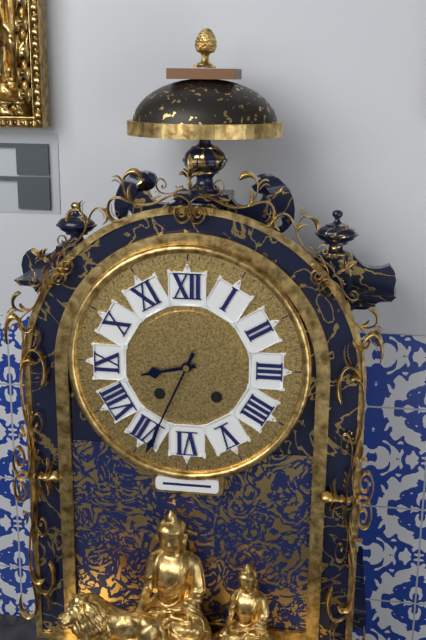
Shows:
8h34
